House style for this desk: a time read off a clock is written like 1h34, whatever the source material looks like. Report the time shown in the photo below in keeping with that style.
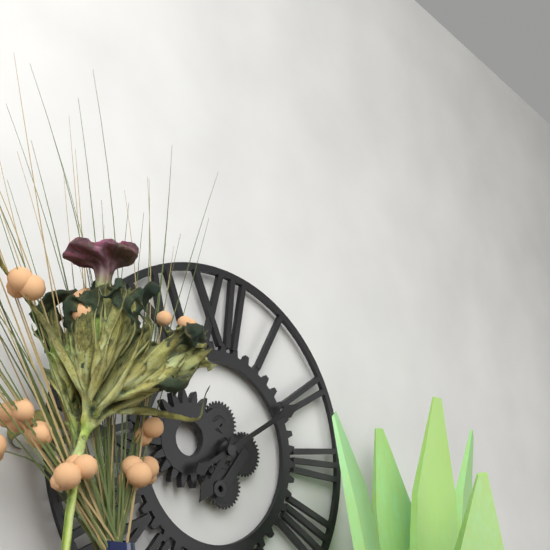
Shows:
7h10
